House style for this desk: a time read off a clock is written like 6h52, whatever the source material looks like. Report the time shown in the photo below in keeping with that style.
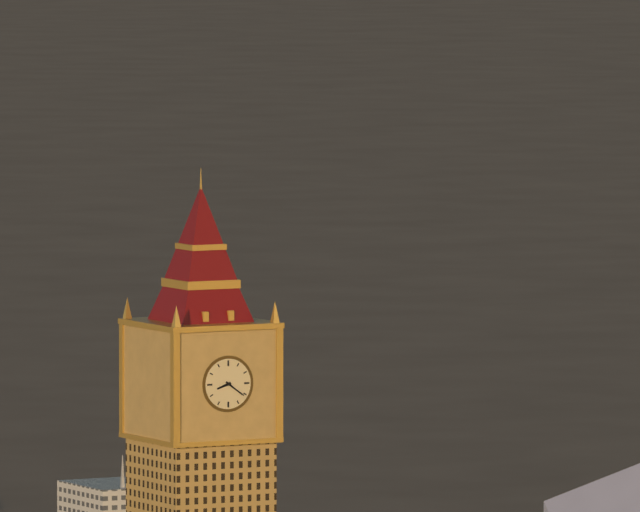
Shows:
8h21
